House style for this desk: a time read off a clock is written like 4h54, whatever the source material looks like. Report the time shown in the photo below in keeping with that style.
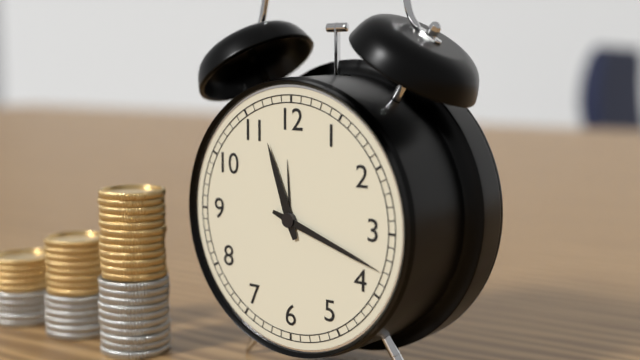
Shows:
11h18
